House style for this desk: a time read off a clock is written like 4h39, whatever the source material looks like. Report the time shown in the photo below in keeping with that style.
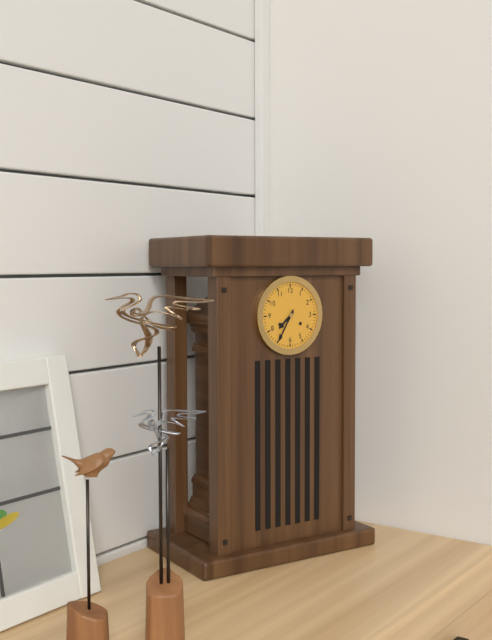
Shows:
7h35
